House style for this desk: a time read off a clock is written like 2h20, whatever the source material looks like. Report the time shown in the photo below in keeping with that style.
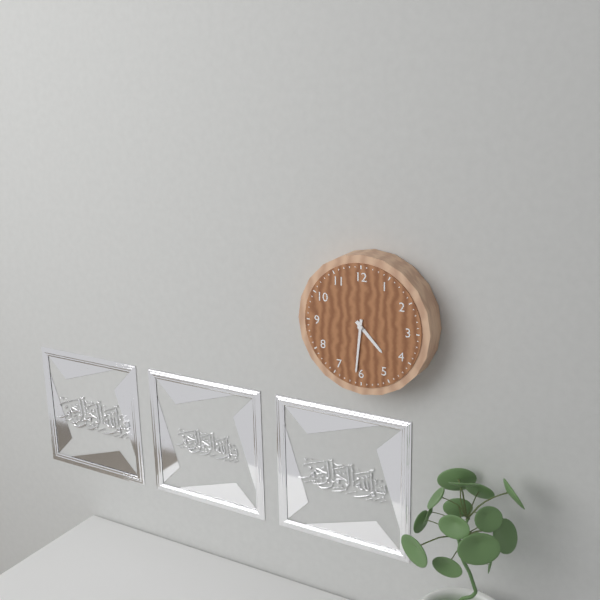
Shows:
4h31
